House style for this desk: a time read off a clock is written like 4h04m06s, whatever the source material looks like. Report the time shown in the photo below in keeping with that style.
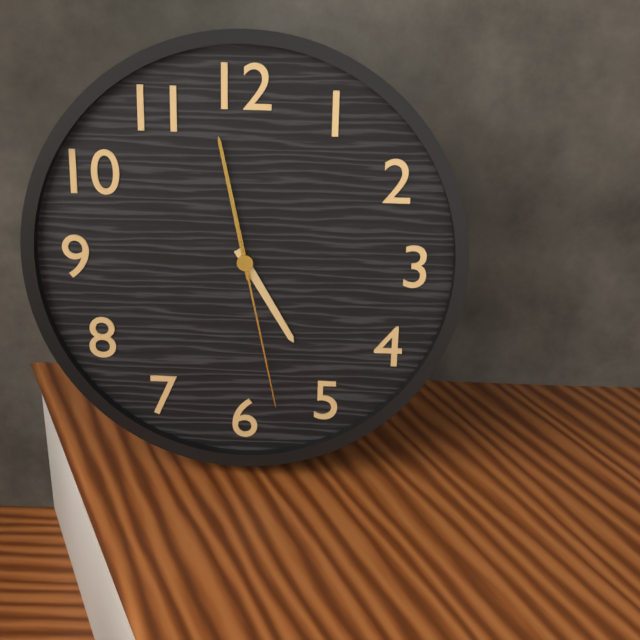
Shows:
4h58m28s
